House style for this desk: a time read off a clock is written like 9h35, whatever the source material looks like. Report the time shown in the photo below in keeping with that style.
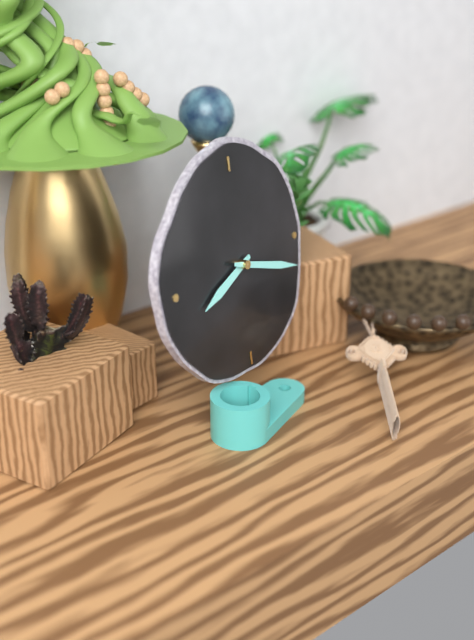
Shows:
8h18
